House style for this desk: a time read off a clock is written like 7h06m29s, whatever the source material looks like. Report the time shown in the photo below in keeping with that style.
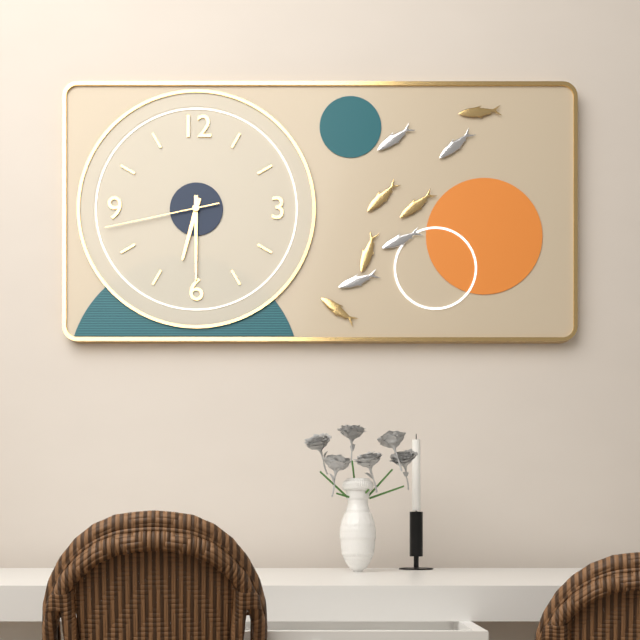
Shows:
6h30m43s
